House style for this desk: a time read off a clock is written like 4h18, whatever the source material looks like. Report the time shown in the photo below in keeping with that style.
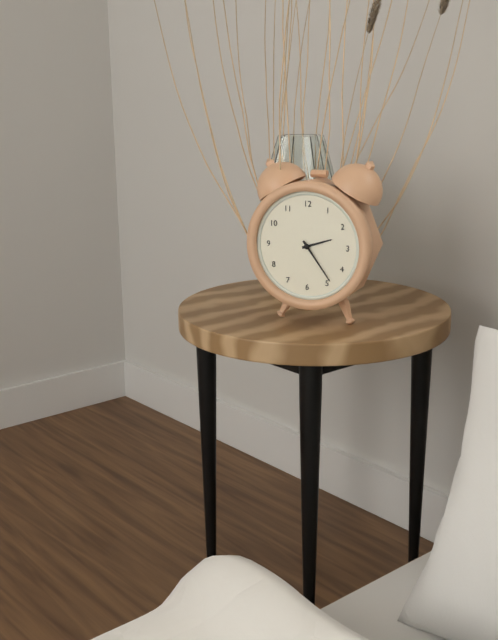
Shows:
2h24
